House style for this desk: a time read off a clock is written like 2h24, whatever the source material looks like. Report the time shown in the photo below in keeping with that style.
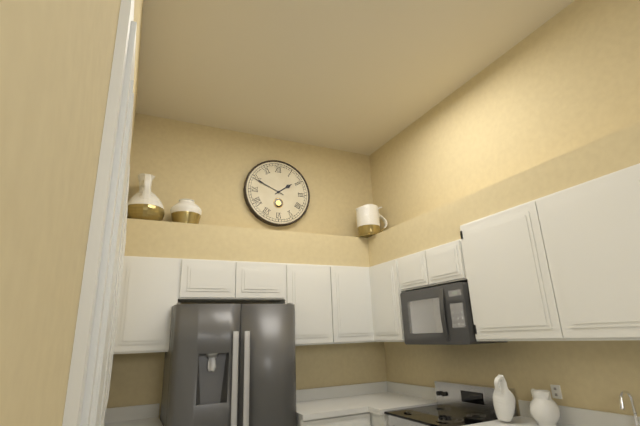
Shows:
1h49
